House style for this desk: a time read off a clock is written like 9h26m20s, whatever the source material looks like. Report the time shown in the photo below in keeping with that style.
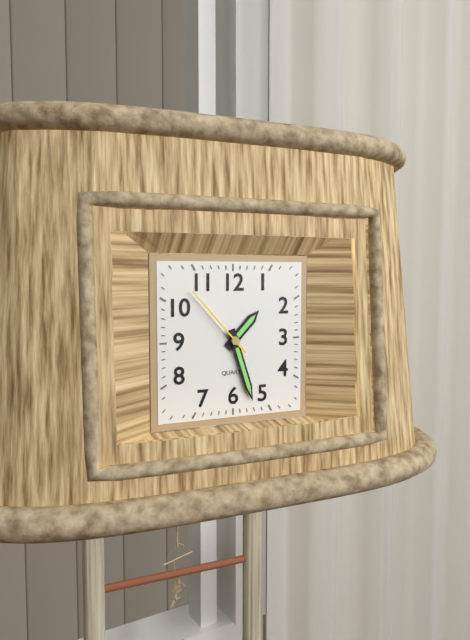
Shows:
1h27m53s
